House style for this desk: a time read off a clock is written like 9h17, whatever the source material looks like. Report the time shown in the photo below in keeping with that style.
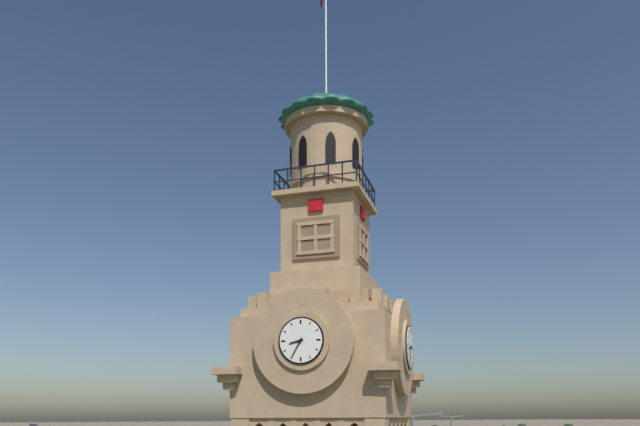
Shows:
8h35
